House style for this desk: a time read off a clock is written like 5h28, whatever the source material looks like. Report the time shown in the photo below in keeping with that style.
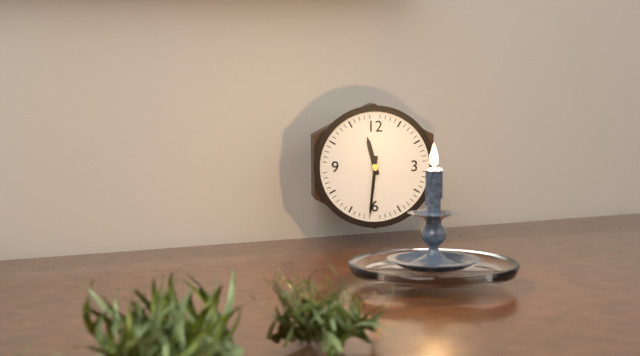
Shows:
11h31
